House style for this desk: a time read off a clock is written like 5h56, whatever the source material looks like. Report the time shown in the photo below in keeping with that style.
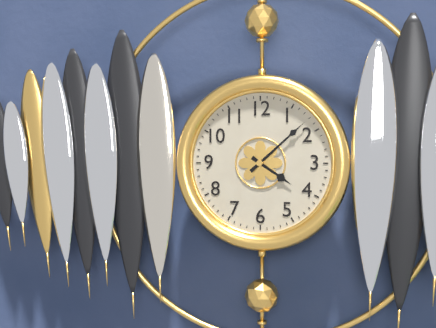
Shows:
4h08
